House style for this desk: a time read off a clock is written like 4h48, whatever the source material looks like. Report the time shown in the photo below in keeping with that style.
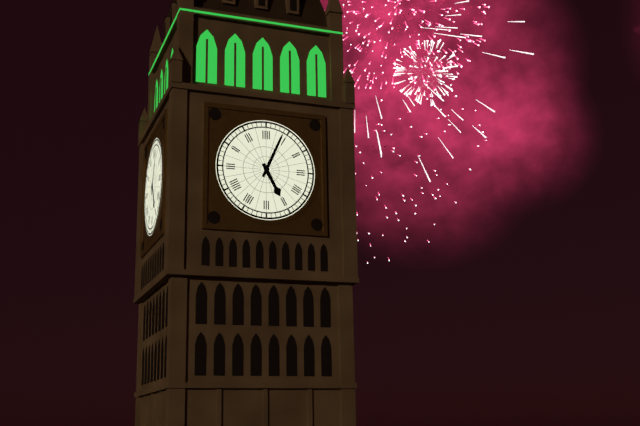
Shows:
5h04
